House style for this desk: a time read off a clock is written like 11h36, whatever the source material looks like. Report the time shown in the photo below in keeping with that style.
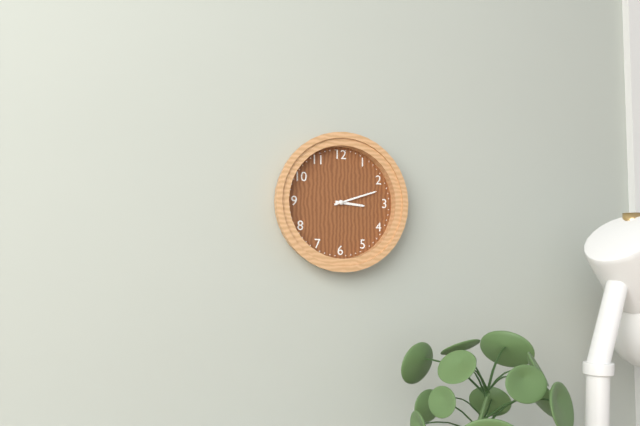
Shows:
3h12
